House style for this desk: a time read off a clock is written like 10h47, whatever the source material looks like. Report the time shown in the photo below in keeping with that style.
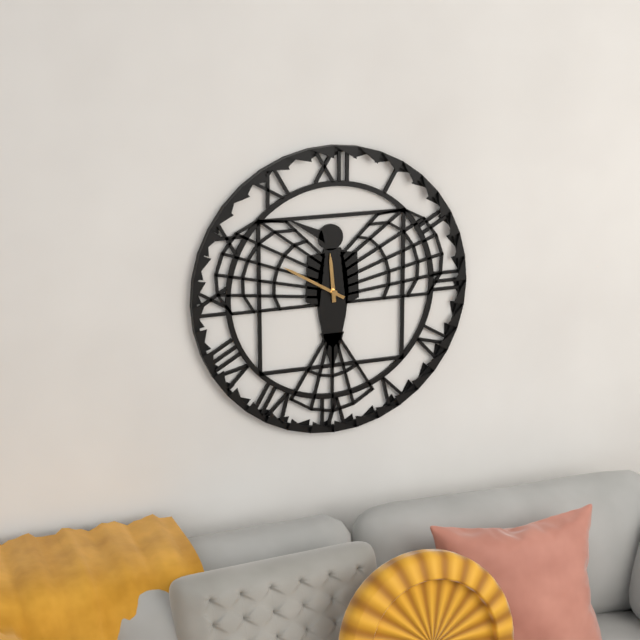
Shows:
11h50
